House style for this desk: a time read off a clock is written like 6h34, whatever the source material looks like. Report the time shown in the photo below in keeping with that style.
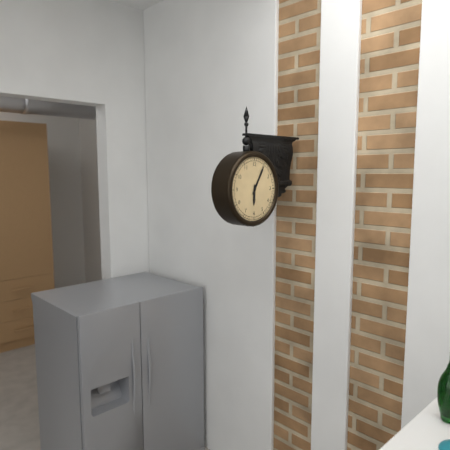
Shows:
6h05
